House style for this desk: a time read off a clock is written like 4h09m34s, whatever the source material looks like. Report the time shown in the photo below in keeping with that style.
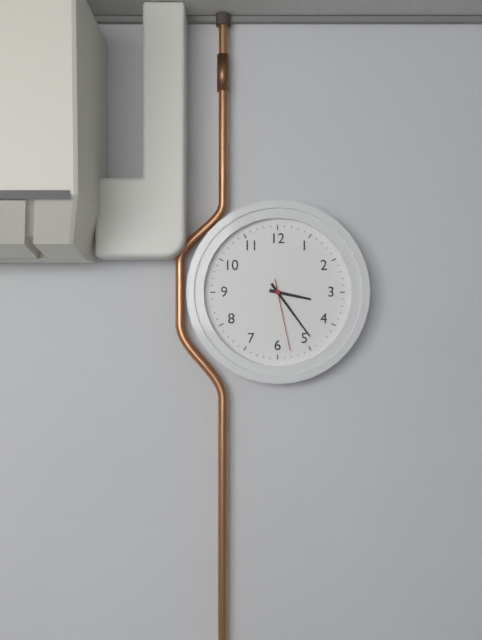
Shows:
3h24m28s
